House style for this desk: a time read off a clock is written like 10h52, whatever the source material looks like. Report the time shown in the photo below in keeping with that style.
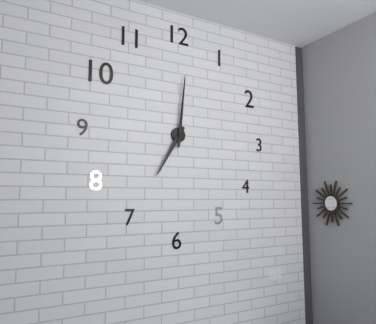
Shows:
7h01
